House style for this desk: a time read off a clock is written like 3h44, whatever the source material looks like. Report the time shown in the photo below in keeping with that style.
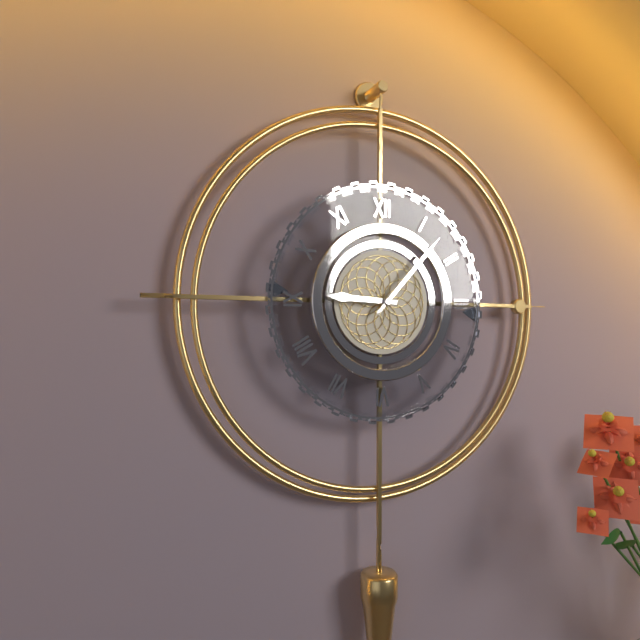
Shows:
9h07
